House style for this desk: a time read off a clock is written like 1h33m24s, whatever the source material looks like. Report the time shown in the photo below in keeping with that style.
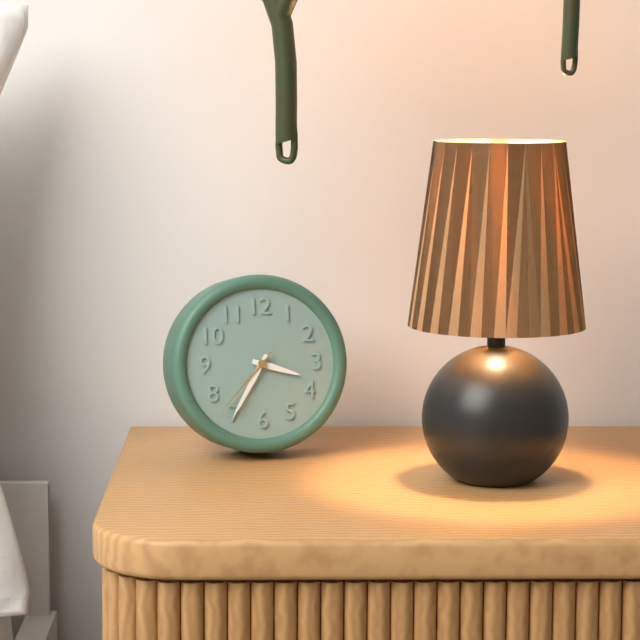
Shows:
3h35m37s
